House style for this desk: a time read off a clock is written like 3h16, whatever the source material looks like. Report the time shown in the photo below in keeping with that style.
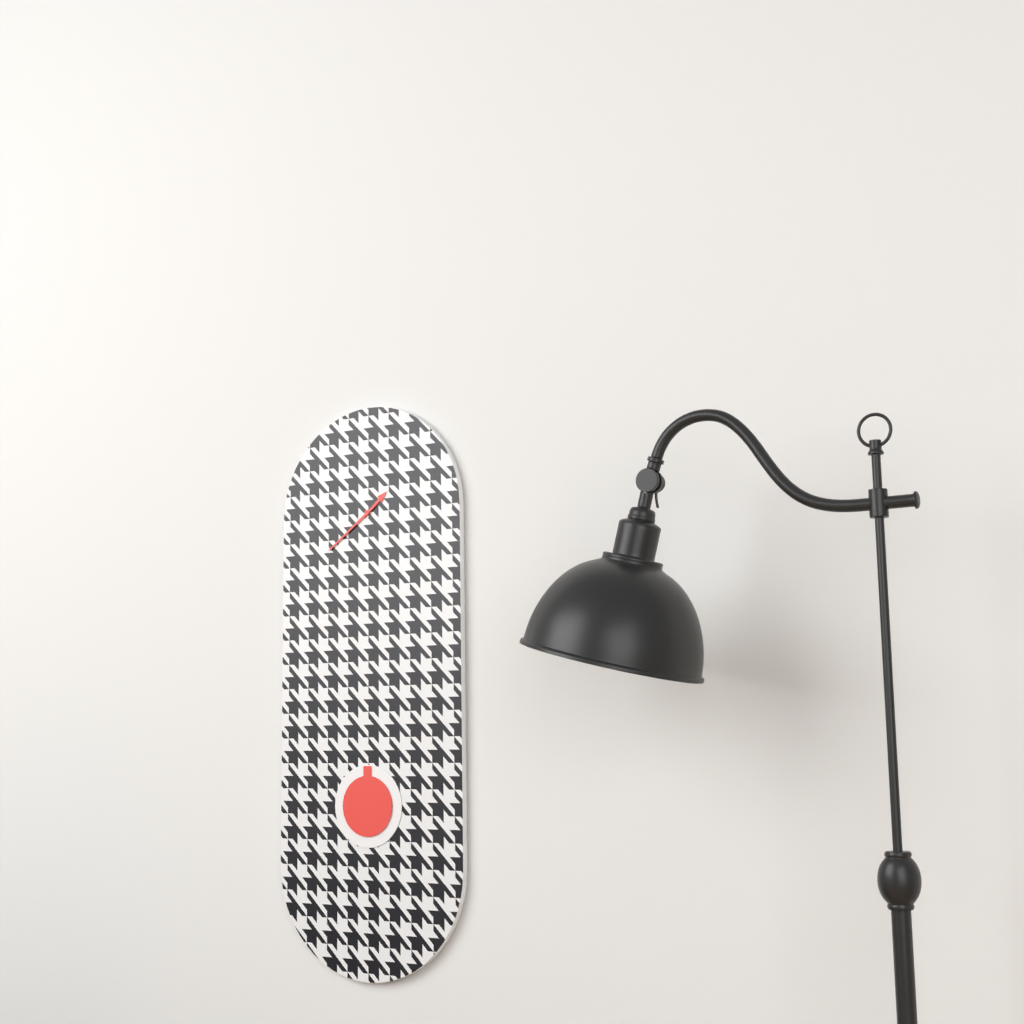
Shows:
1h39
